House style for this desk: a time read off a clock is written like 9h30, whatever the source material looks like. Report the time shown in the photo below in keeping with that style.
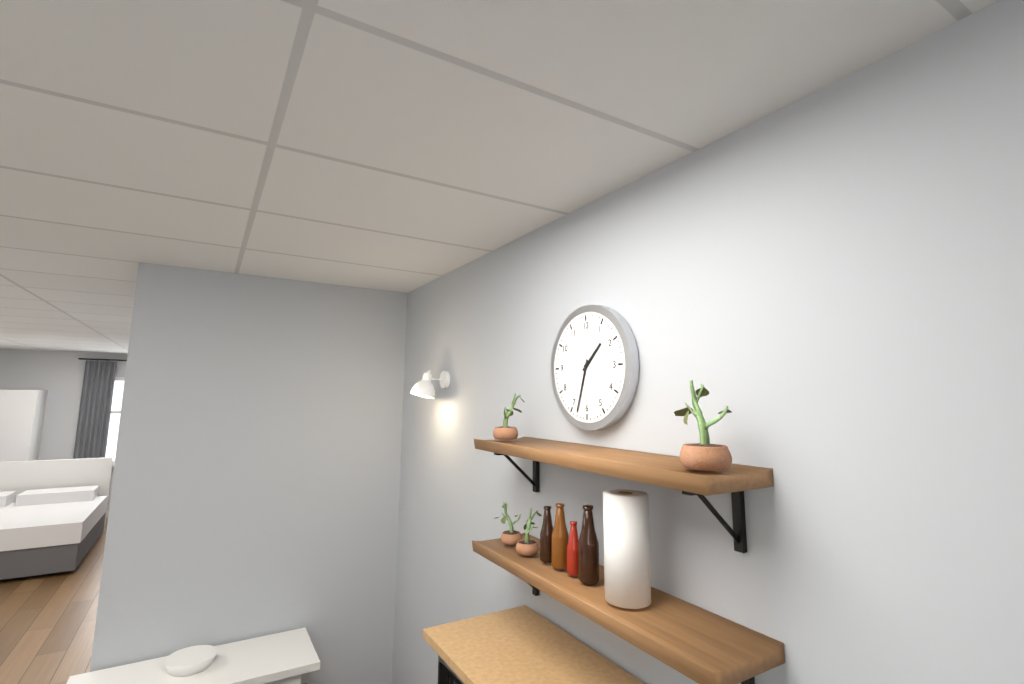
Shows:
1h33
